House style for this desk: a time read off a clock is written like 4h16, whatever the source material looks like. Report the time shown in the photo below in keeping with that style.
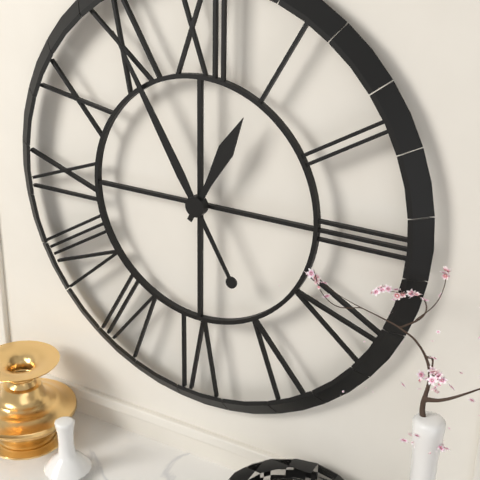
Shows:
12h55
